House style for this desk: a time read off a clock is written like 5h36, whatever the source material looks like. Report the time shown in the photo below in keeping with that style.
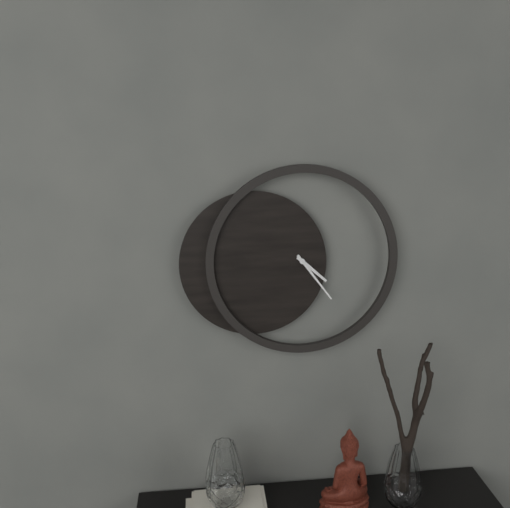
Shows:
4h24
